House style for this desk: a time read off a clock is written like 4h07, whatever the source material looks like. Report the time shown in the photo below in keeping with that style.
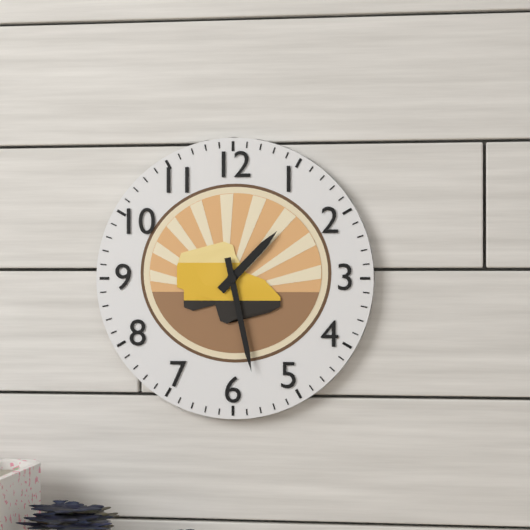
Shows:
1h28
